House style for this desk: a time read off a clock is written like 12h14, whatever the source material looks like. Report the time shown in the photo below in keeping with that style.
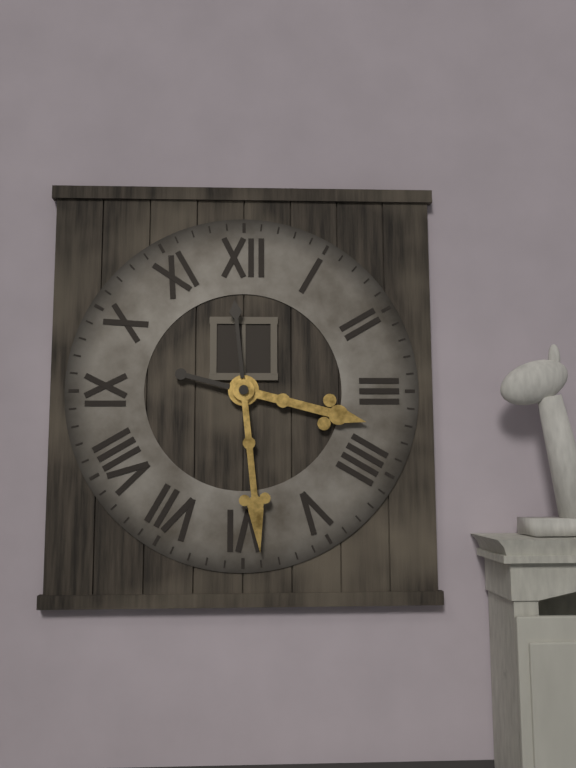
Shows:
3h29
